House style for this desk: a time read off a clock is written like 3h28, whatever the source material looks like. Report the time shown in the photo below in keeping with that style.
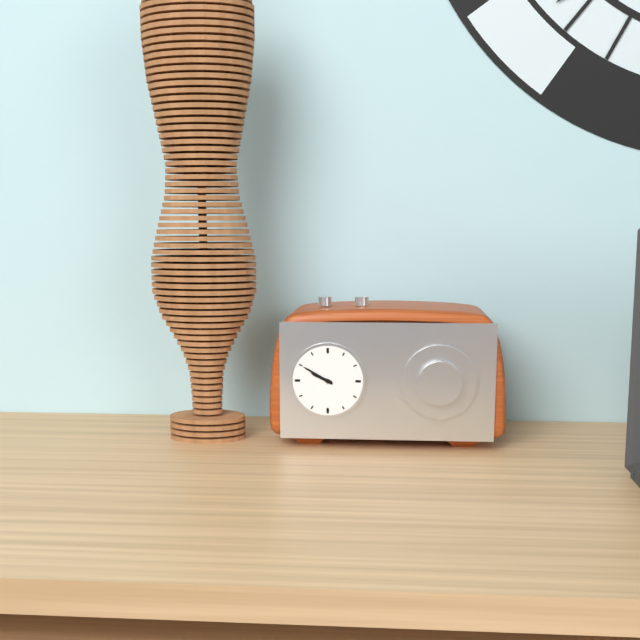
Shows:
9h50
